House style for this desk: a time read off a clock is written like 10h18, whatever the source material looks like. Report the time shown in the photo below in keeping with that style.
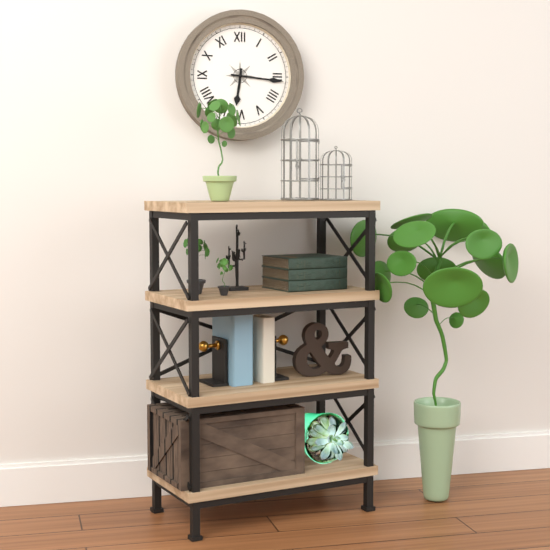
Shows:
6h16
